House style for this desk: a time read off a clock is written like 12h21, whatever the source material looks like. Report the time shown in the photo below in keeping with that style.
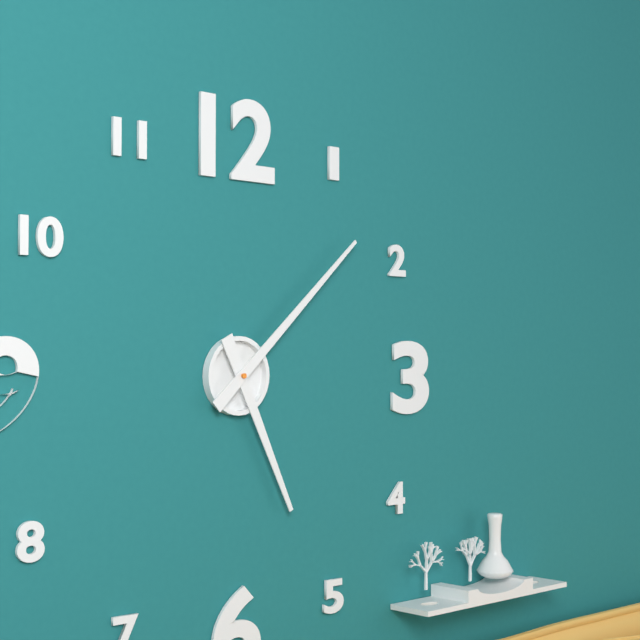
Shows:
5h08
